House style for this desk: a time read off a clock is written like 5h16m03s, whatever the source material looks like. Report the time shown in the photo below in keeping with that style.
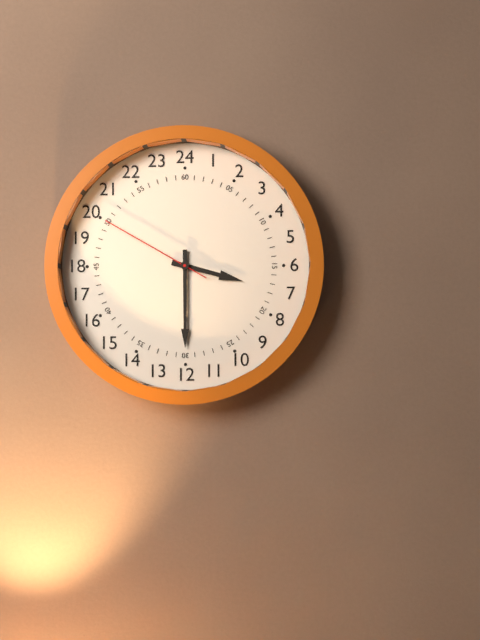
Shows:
3h30m50s
